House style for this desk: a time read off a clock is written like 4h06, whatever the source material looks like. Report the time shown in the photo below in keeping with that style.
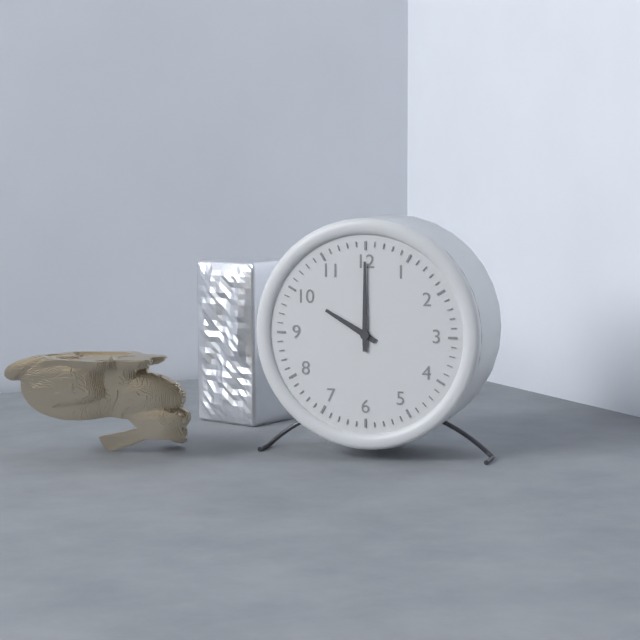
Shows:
10h00
